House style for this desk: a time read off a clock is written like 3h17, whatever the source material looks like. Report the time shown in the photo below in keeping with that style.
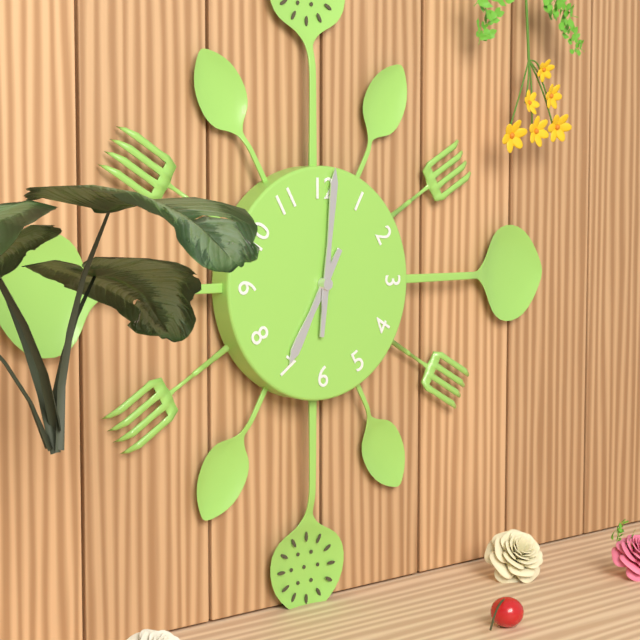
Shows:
7h01
